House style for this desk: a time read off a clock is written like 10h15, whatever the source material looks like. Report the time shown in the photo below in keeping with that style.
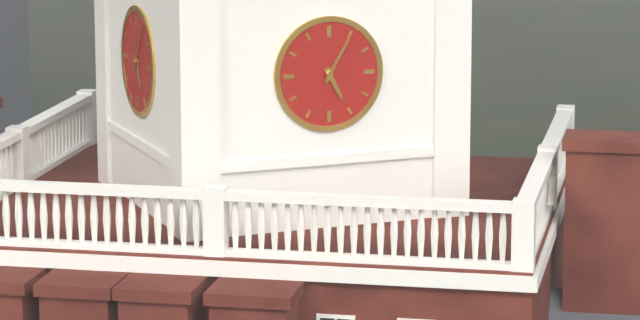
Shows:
5h05
